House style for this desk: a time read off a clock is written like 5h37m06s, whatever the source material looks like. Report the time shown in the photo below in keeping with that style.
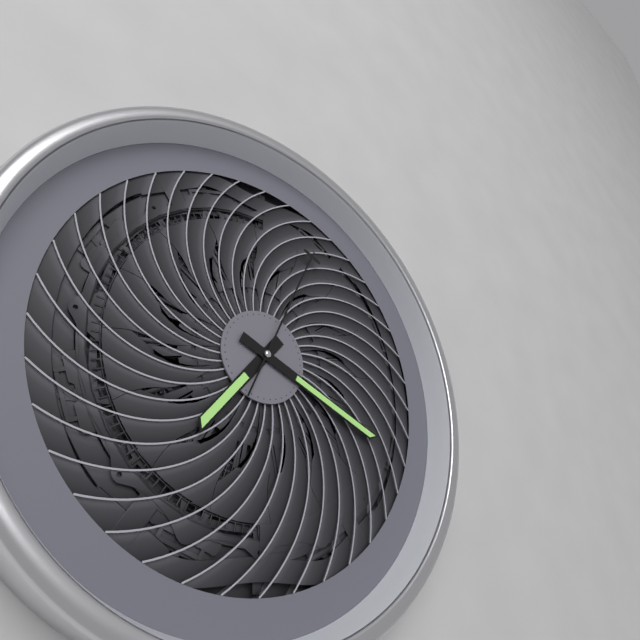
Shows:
7h19m04s
